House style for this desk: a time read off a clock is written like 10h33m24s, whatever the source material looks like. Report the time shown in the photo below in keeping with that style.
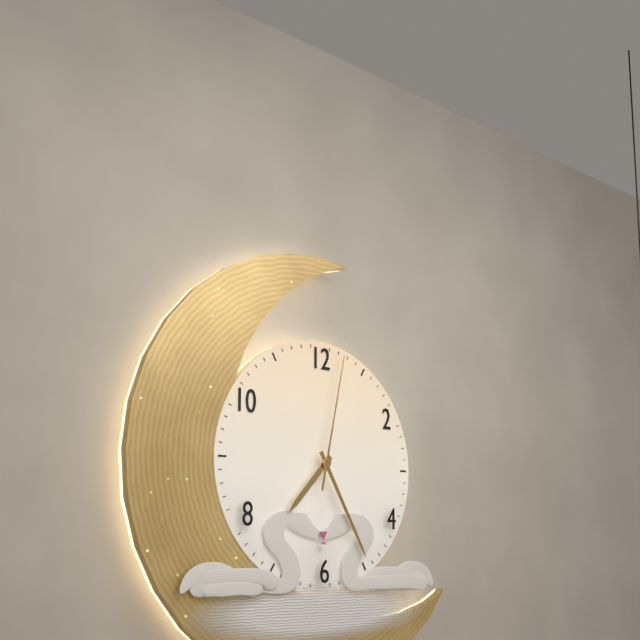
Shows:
7h25m02s
